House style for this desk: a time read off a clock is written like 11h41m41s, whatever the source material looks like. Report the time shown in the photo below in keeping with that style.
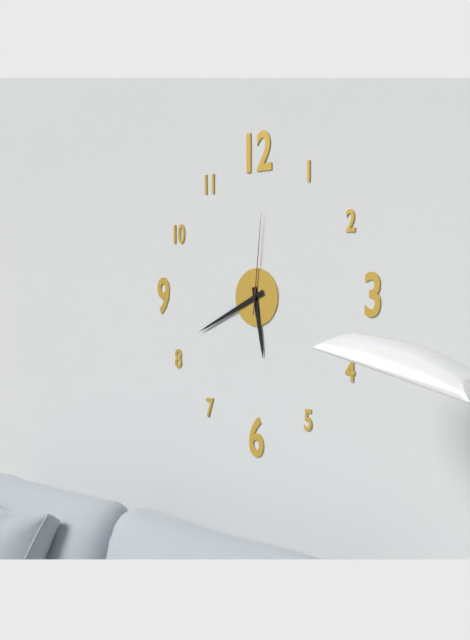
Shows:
5h41m01s
